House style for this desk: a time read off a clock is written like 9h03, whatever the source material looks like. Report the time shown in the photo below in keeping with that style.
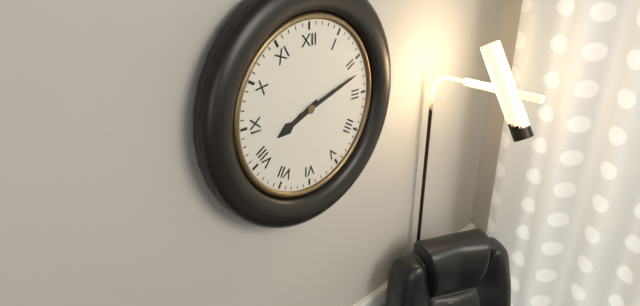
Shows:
8h12
